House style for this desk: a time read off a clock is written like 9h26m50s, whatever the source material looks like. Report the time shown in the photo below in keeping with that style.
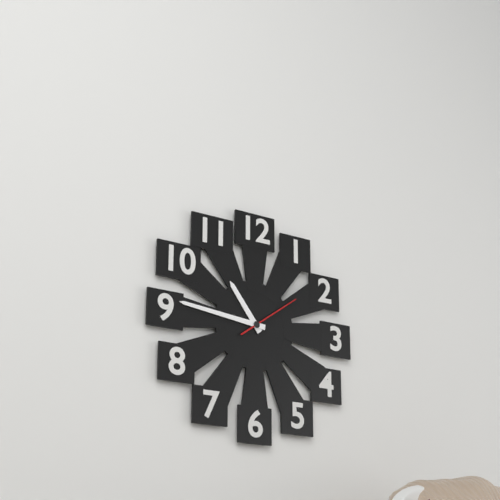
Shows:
10h46m09s
